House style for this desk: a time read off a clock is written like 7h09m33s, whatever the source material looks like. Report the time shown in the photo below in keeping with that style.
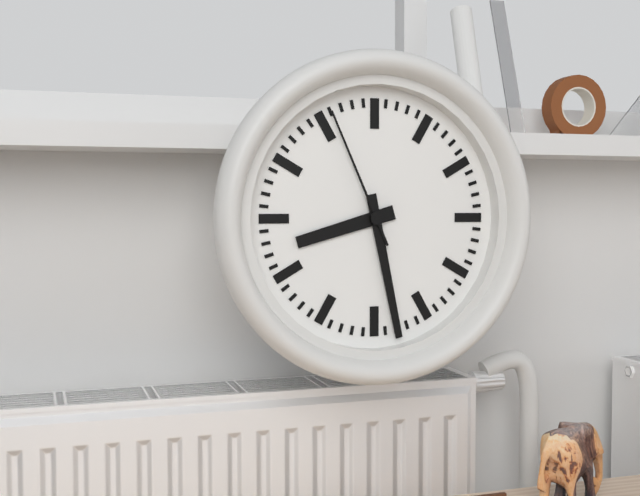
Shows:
8h28m56s
